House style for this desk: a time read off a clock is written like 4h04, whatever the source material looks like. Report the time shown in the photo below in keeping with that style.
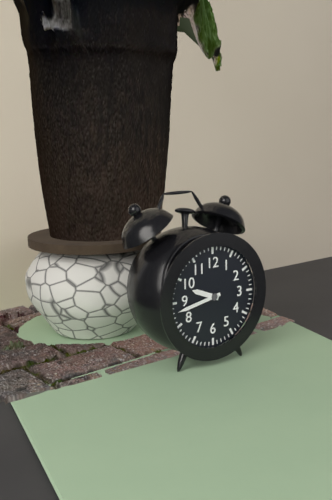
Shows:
9h43
